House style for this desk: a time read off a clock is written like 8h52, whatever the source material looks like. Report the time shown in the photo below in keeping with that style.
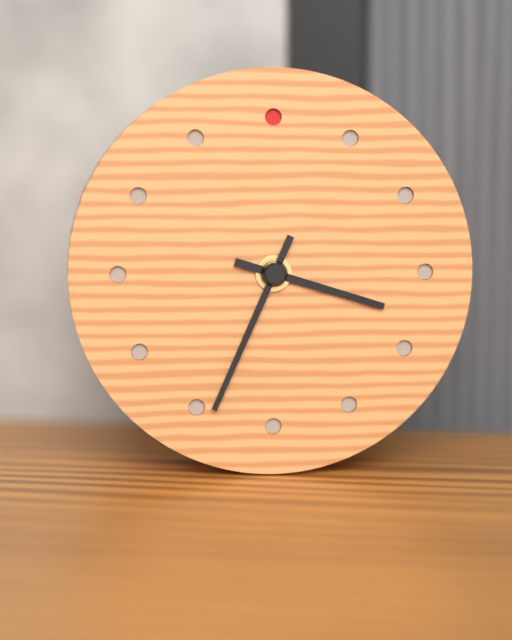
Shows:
3h34
